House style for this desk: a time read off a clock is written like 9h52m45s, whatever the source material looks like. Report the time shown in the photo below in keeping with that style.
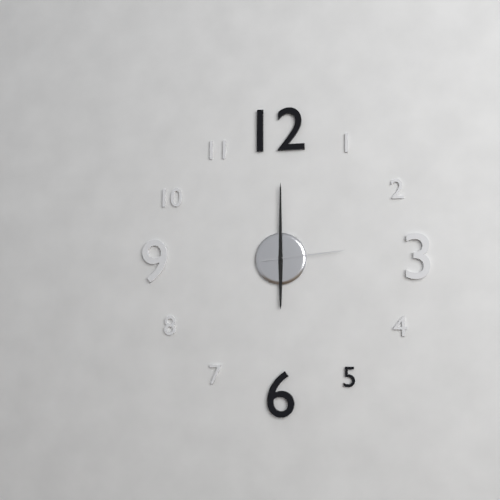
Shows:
6h00m14s
